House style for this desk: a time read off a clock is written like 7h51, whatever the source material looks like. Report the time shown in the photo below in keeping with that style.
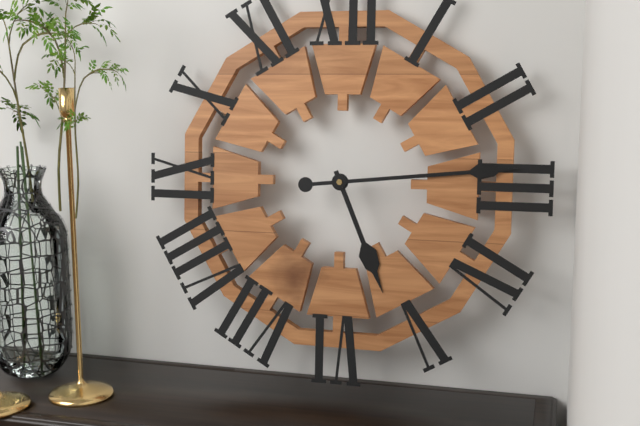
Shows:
5h14
